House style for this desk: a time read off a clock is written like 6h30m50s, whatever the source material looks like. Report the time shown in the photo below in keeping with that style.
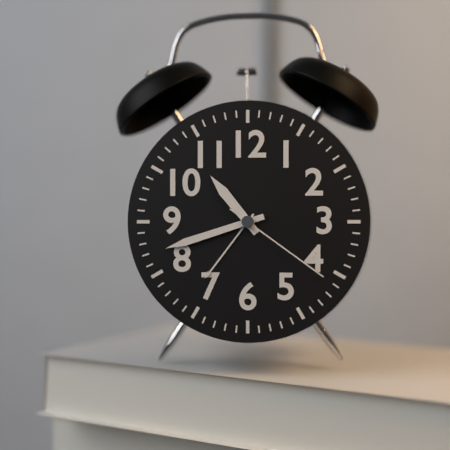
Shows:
10h42m21s
